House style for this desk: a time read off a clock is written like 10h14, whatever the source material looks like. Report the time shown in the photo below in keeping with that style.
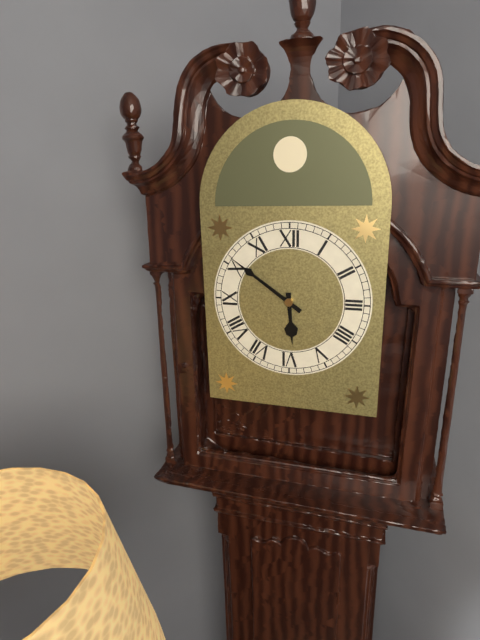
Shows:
5h51
